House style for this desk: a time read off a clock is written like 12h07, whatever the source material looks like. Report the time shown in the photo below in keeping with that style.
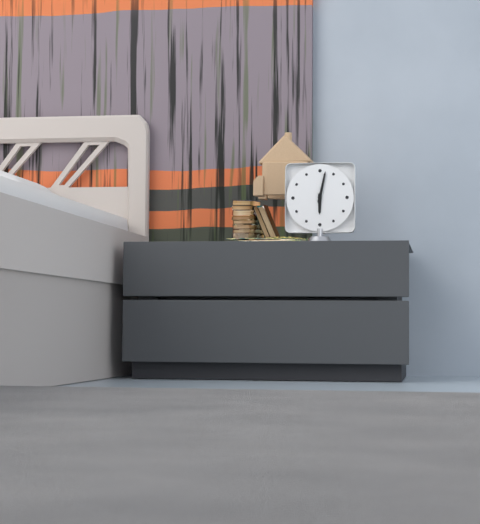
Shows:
6h02
